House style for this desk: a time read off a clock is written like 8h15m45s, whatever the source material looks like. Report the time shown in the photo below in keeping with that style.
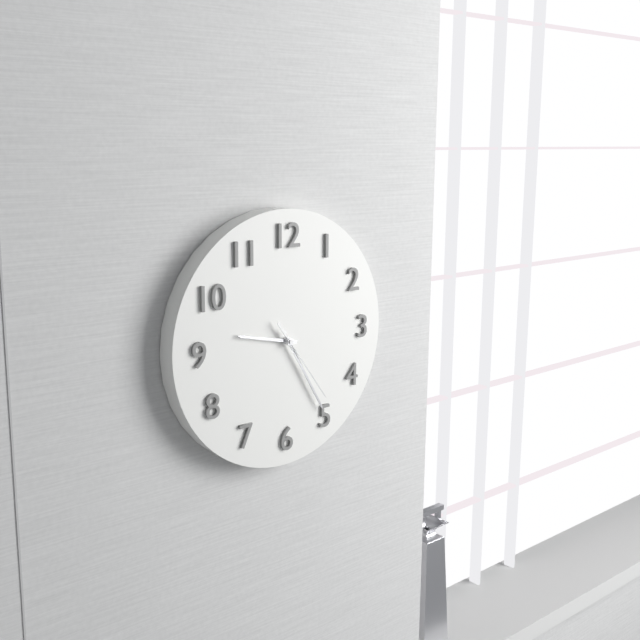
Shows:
9h25m24s
